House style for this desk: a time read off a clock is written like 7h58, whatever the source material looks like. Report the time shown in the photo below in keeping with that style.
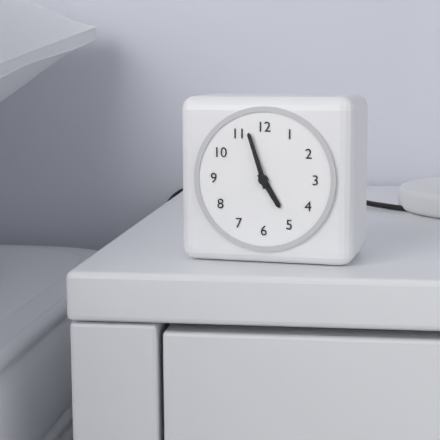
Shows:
4h57
